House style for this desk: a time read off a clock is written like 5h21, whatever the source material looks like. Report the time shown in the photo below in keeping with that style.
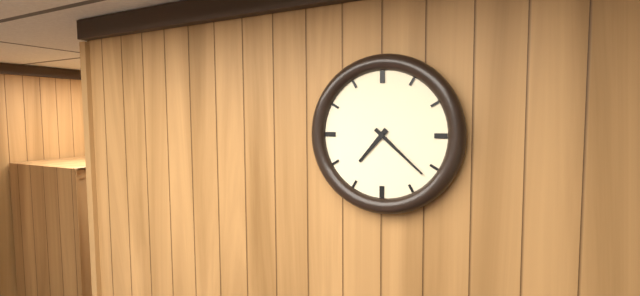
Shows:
7h22
